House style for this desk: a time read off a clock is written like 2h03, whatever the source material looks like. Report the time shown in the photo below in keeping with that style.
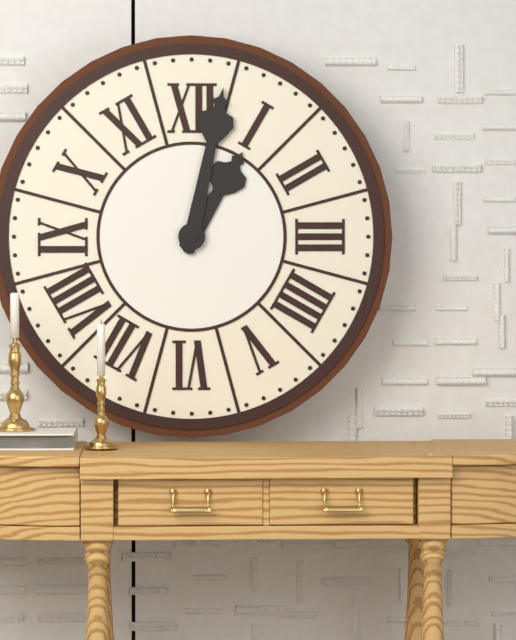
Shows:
1h02
